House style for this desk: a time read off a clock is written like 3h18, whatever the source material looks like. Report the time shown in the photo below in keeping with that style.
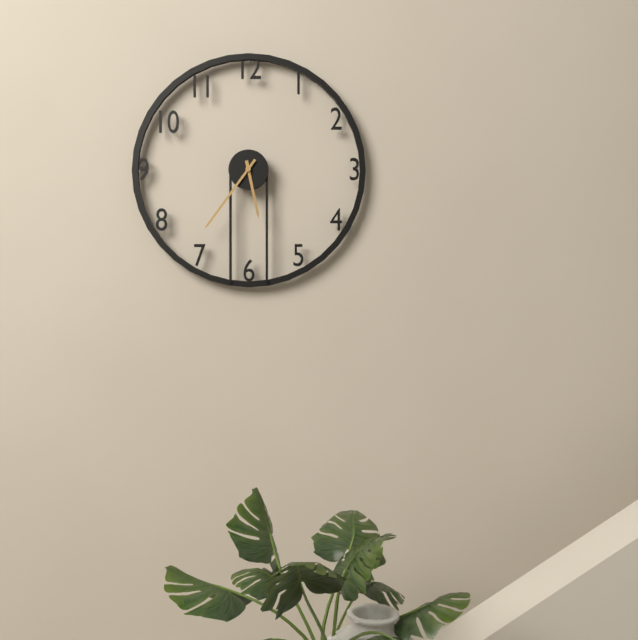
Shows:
5h36
